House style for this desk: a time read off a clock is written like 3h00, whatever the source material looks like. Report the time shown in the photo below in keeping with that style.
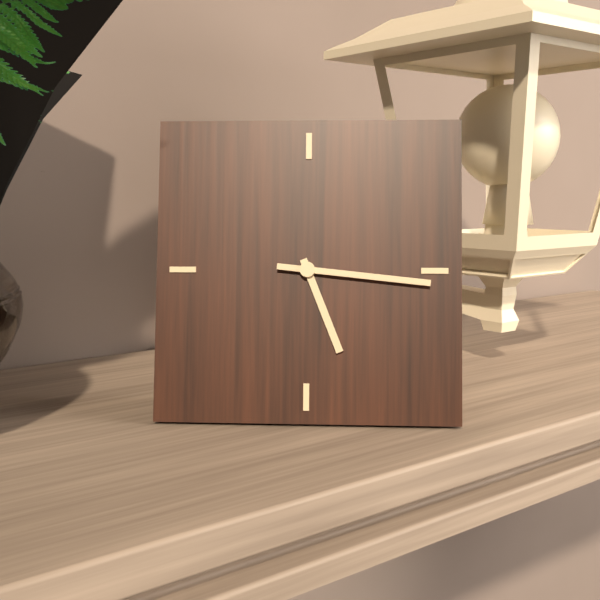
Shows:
5h16
